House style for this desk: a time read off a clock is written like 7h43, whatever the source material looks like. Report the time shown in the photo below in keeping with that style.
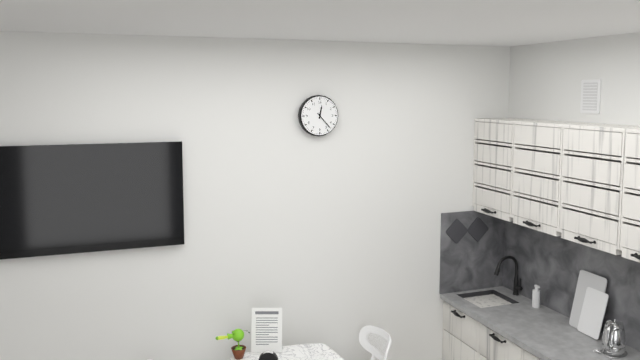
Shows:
12h23
